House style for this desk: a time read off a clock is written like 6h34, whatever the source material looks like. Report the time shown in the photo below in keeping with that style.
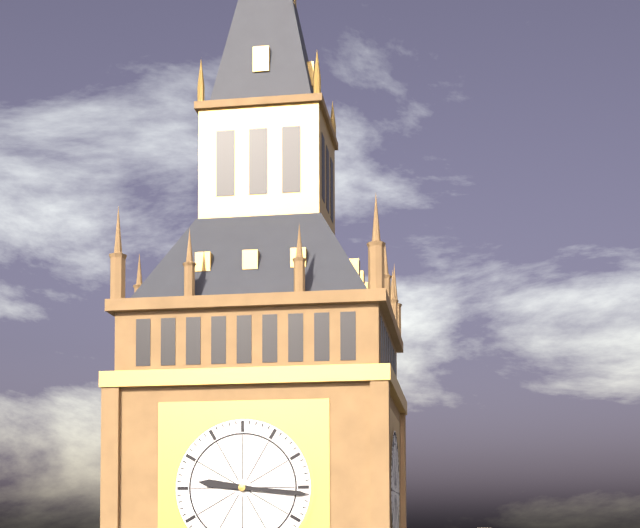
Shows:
9h16
